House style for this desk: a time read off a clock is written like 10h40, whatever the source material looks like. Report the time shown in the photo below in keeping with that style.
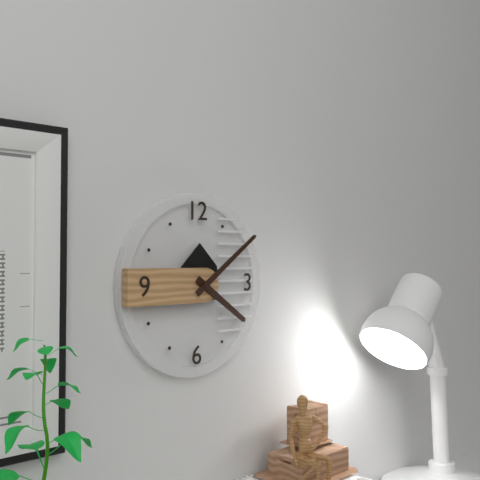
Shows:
4h09
